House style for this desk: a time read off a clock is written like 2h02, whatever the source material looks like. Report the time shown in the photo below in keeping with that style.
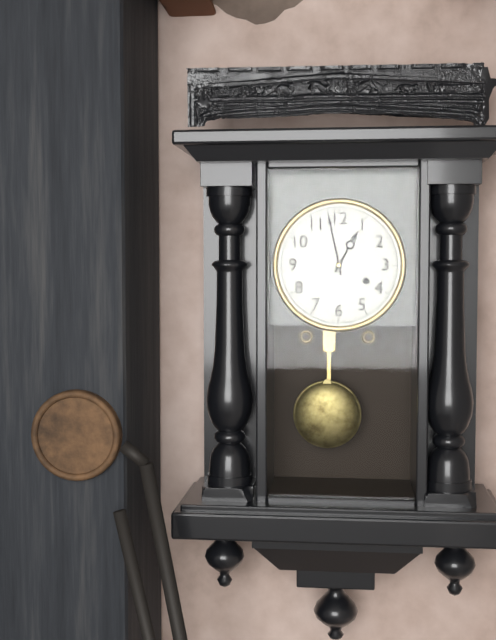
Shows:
12h58
